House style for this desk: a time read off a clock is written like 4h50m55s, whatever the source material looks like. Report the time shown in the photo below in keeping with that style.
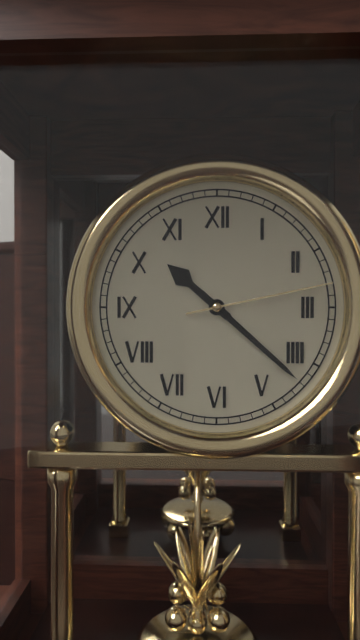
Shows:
10h22m13s
